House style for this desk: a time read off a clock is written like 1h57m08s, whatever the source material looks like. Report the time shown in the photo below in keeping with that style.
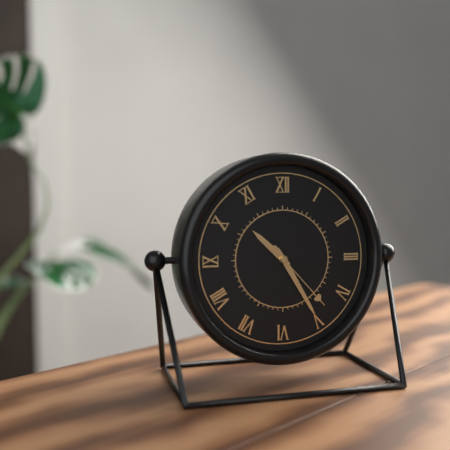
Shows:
10h25m23s
